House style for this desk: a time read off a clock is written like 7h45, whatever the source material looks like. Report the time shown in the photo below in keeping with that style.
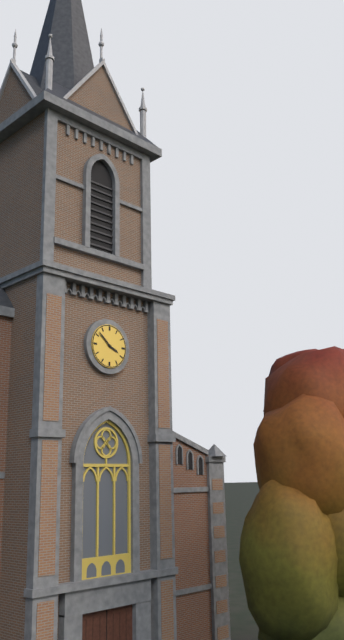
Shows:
3h52
